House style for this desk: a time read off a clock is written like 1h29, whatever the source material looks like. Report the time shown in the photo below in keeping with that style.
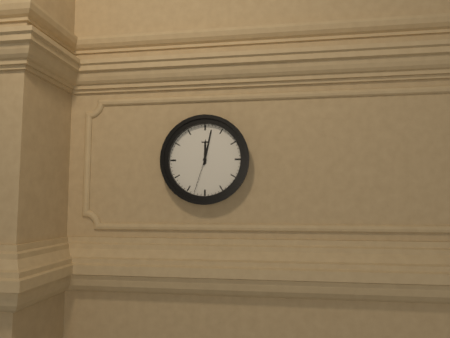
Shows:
12h02
